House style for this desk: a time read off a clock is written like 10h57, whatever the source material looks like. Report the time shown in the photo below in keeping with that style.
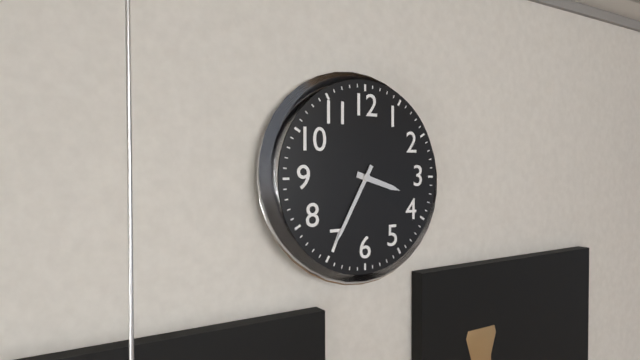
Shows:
3h35
